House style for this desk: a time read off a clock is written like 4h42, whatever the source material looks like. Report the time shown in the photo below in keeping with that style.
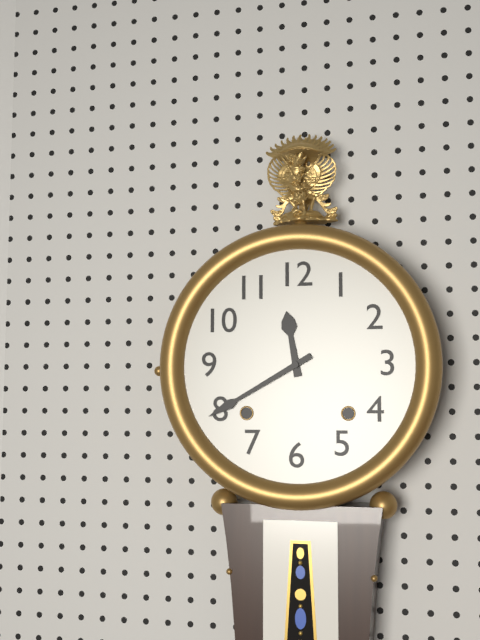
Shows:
11h40
